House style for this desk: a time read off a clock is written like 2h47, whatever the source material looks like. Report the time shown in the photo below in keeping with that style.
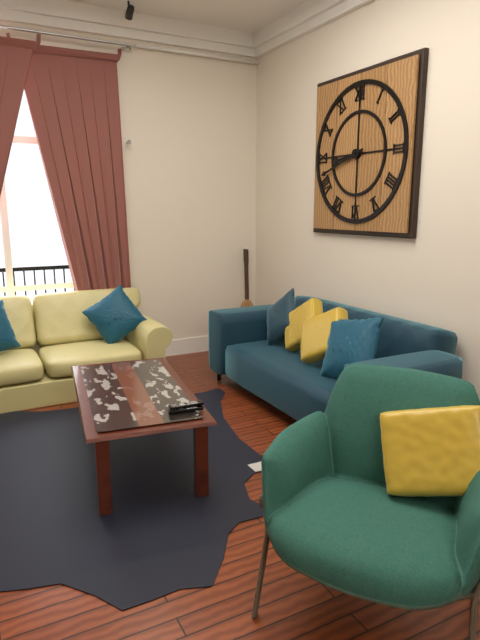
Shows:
8h42
